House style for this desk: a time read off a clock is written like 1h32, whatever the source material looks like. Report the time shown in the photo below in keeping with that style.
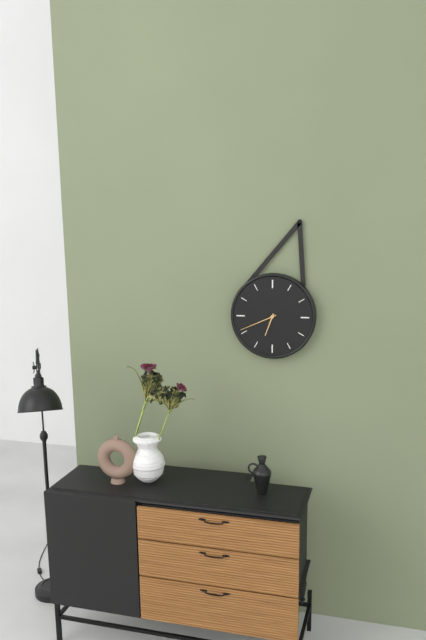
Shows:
6h41
